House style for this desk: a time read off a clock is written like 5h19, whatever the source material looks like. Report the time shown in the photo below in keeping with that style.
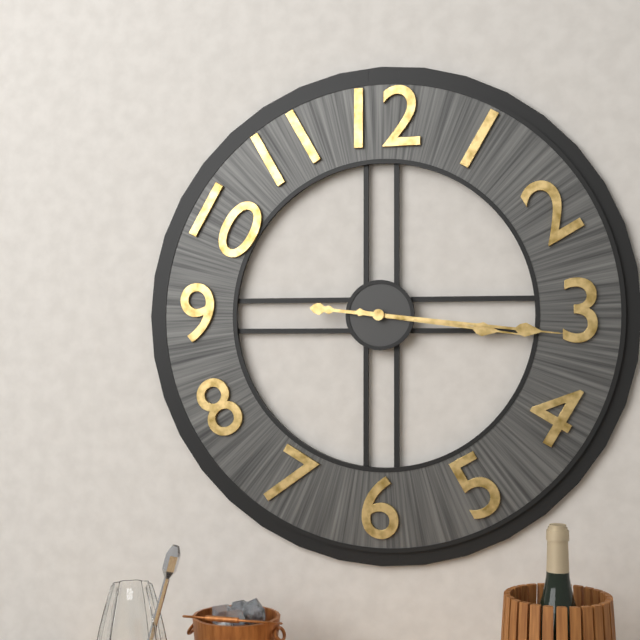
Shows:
3h16
